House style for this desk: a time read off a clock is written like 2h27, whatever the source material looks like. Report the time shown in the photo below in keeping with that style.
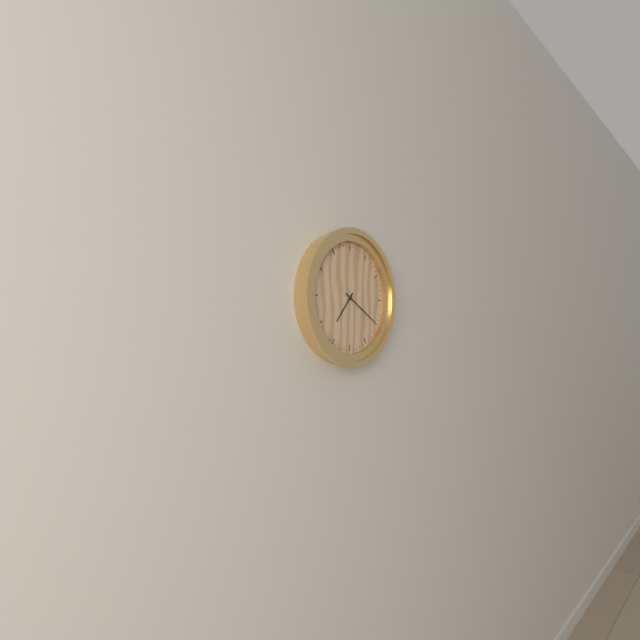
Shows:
7h20
